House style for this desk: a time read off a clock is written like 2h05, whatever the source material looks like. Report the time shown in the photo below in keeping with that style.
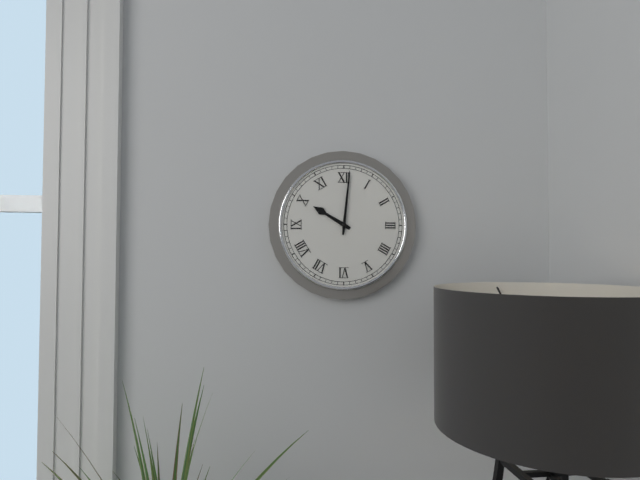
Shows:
10h01
